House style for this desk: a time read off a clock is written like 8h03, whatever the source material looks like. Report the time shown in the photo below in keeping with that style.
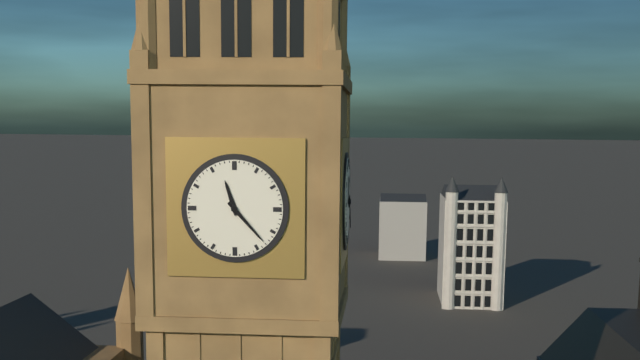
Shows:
11h23
